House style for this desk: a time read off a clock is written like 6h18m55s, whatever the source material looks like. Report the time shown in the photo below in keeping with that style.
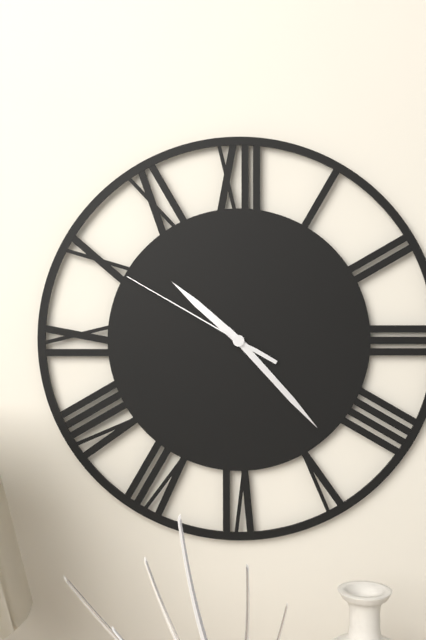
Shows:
10h23m50s
